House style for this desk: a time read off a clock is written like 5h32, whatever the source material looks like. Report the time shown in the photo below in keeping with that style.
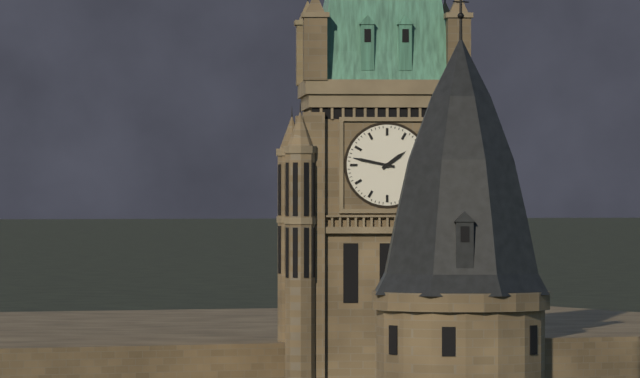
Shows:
1h47
